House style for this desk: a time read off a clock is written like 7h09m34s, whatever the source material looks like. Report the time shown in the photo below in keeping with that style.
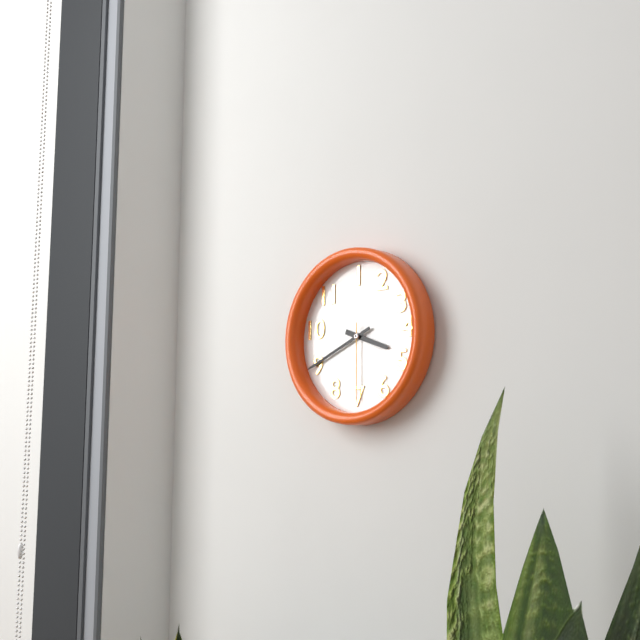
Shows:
3h41m30s
